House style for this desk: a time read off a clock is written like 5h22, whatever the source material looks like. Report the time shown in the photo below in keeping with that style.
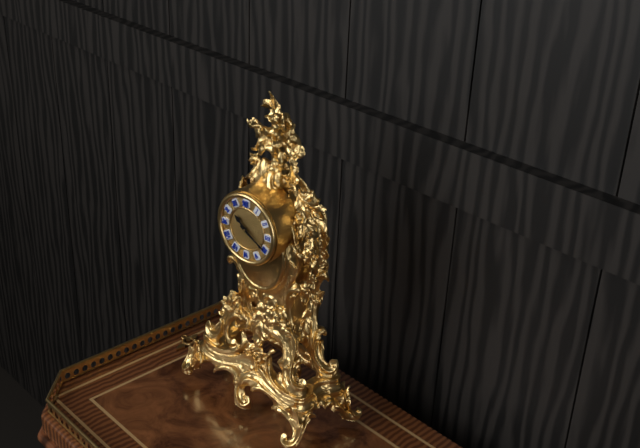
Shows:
10h20
